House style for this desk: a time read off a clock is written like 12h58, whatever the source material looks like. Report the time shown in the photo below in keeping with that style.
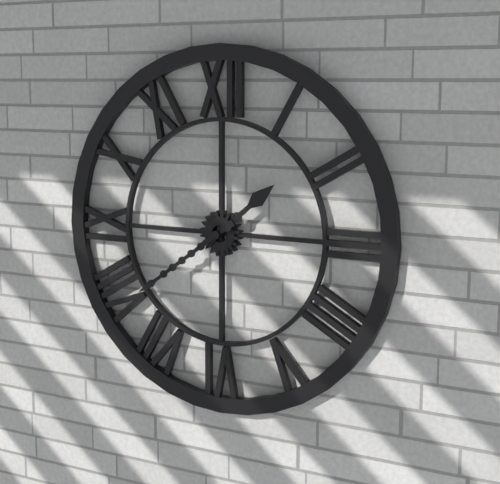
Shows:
1h39
